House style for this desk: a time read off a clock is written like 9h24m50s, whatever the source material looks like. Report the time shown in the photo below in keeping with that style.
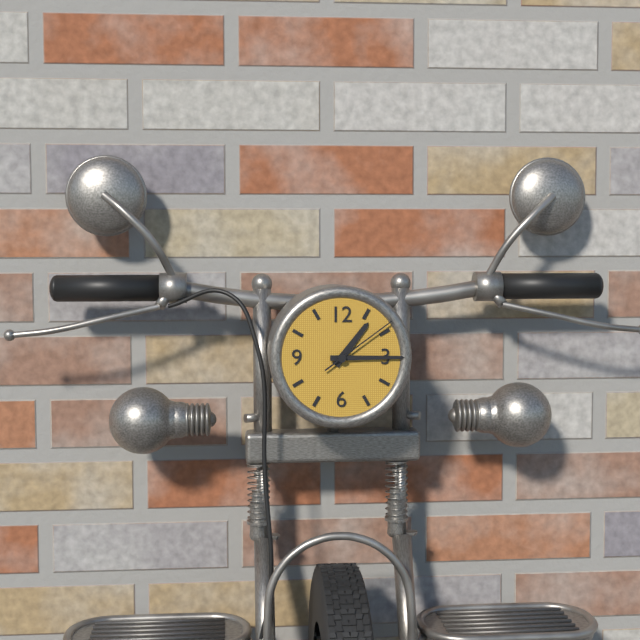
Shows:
1h15m09s
